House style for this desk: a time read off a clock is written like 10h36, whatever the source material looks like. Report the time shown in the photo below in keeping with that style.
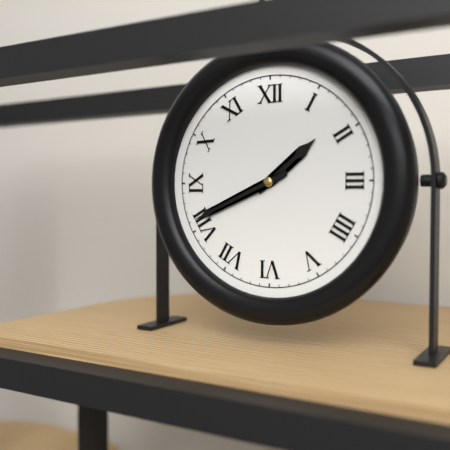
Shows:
1h41
